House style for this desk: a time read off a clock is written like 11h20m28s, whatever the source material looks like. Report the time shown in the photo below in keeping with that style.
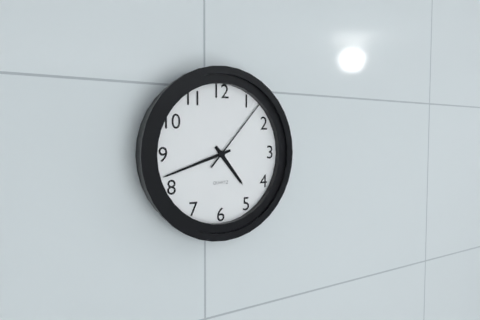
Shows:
4h42m07s
